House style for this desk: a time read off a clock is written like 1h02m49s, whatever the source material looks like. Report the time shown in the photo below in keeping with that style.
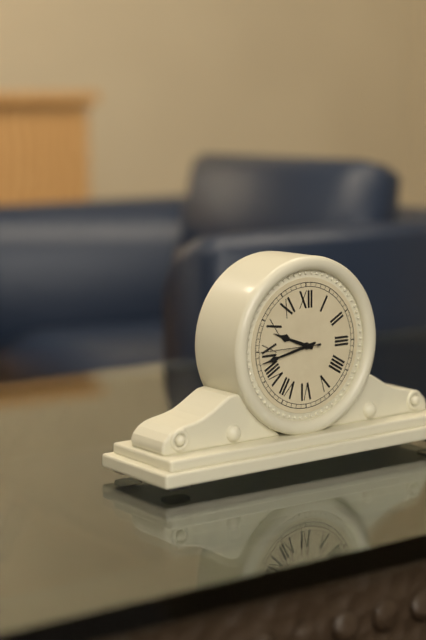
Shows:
9h43m45s
